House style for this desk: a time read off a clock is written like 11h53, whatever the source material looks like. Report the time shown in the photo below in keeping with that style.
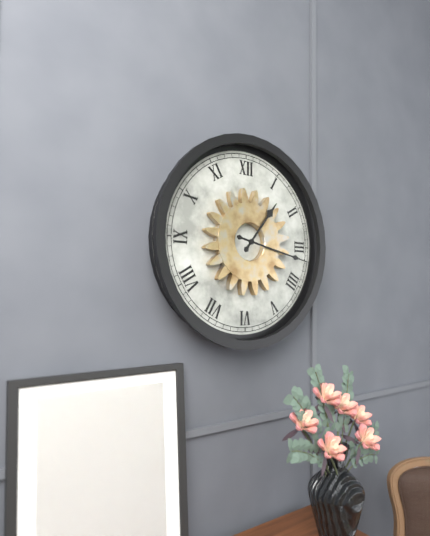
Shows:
1h17
